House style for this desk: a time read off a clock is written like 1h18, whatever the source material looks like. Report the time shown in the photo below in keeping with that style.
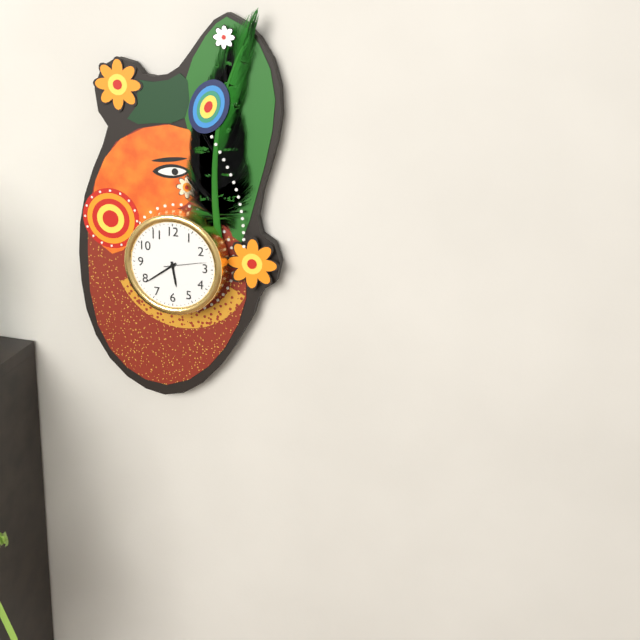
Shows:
5h39
